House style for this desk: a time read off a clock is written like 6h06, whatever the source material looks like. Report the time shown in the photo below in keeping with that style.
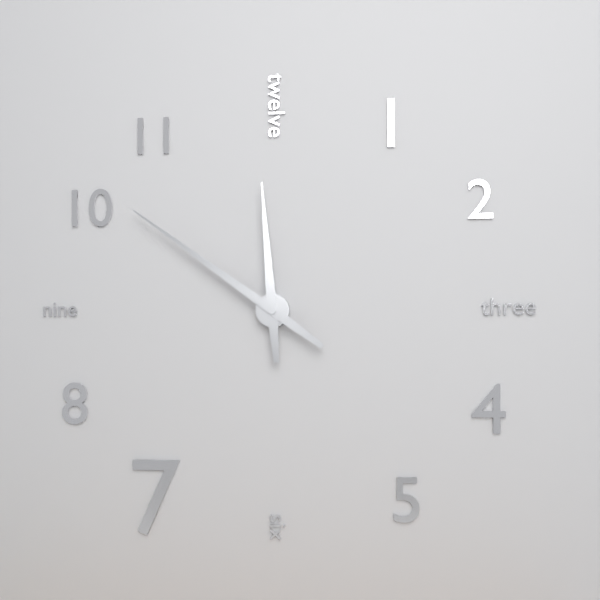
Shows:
11h51
